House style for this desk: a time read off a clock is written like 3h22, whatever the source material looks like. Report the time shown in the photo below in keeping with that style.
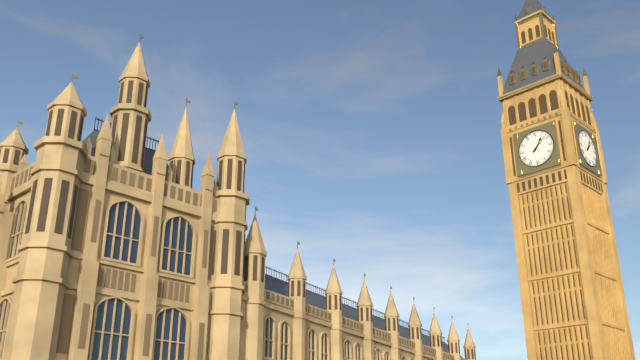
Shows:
1h08
